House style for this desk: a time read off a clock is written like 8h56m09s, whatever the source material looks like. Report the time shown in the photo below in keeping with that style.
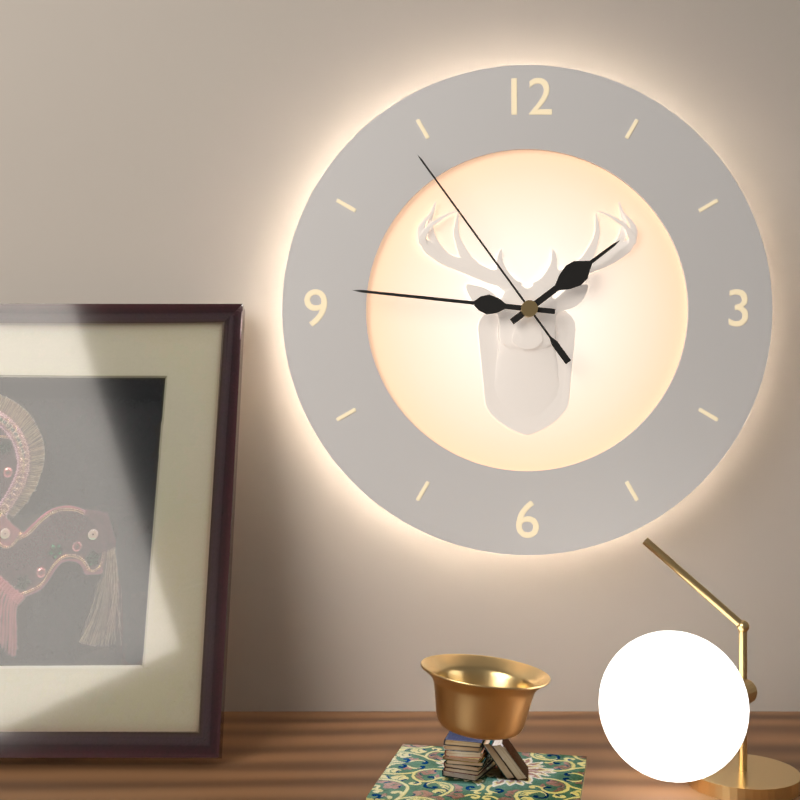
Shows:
1h46m54s
